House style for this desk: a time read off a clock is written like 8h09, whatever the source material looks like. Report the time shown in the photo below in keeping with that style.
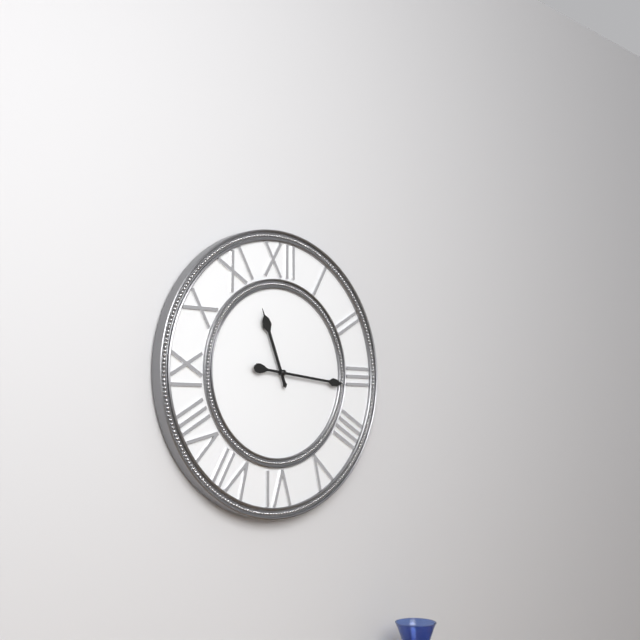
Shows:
11h16
